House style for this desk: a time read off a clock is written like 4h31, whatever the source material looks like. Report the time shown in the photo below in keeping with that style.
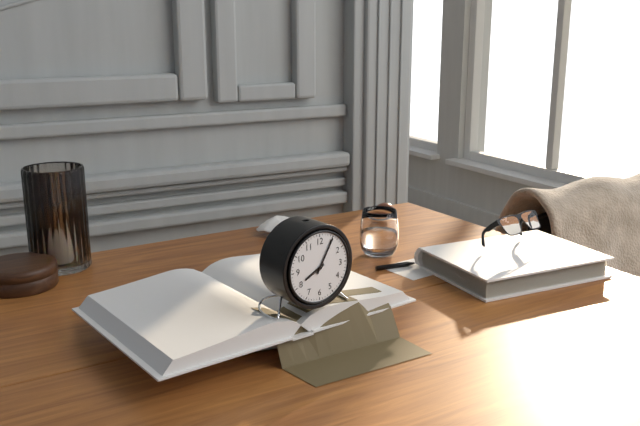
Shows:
8h05
